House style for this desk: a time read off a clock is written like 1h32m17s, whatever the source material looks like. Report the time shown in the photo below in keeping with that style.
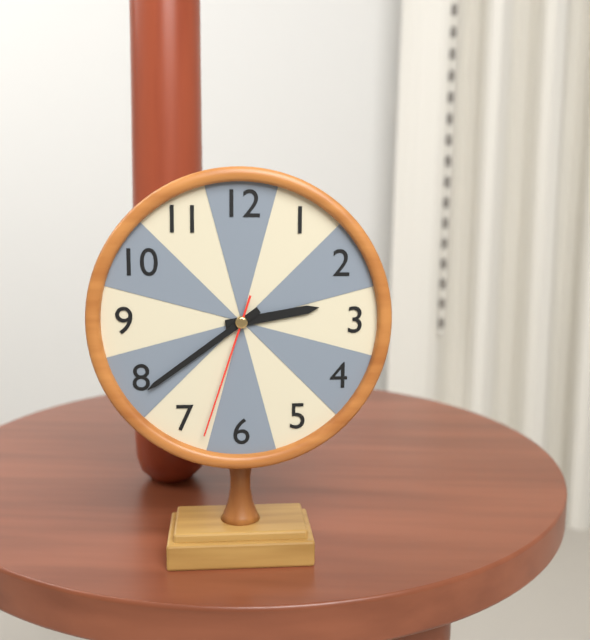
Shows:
2h39m33s
